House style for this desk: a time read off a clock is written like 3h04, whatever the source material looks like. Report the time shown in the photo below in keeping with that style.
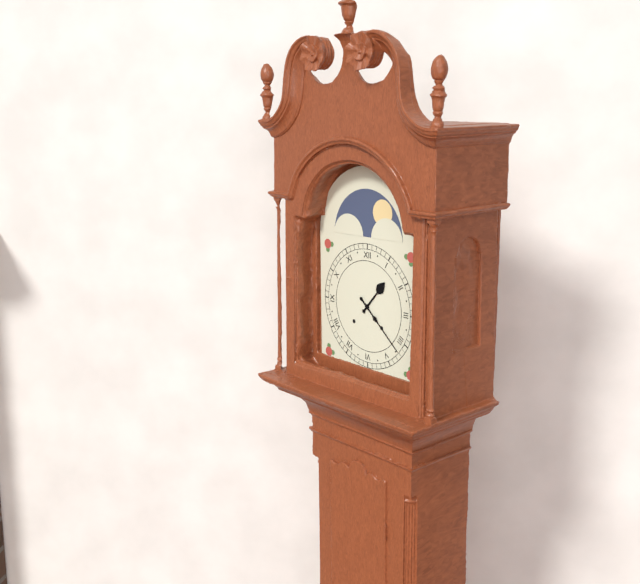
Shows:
1h22
